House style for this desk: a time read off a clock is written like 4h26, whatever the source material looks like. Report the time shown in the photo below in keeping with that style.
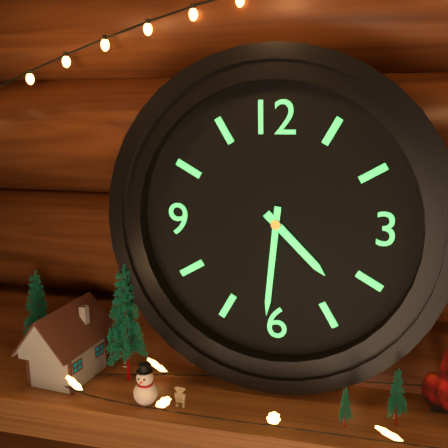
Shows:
4h31
